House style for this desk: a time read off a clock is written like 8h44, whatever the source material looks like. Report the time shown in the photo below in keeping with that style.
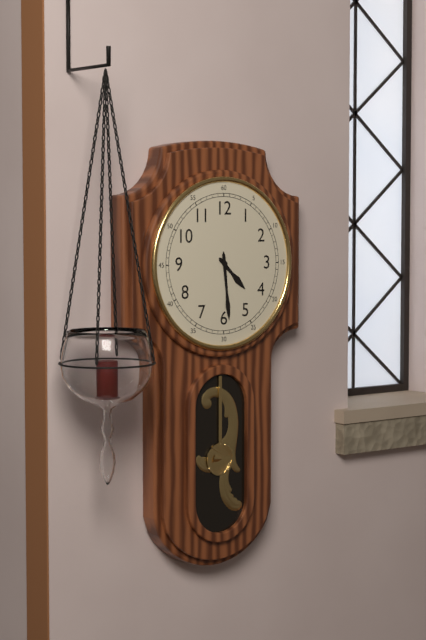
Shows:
4h29
